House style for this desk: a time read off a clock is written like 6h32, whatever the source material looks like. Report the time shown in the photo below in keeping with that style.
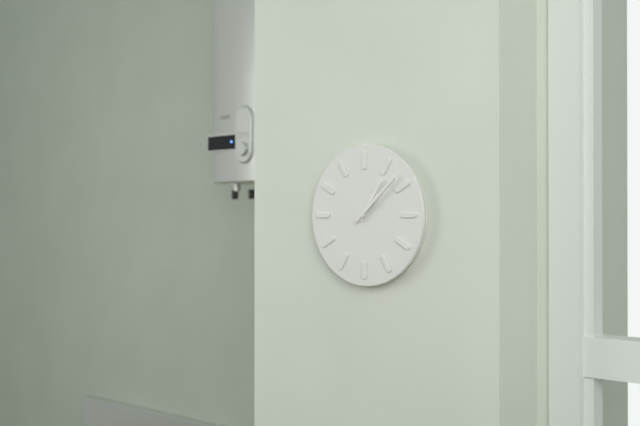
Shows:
1h08
